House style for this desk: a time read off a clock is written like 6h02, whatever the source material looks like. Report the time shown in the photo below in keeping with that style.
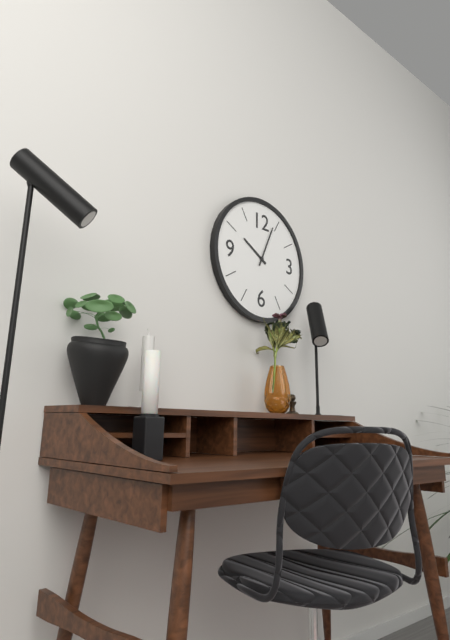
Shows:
10h04
